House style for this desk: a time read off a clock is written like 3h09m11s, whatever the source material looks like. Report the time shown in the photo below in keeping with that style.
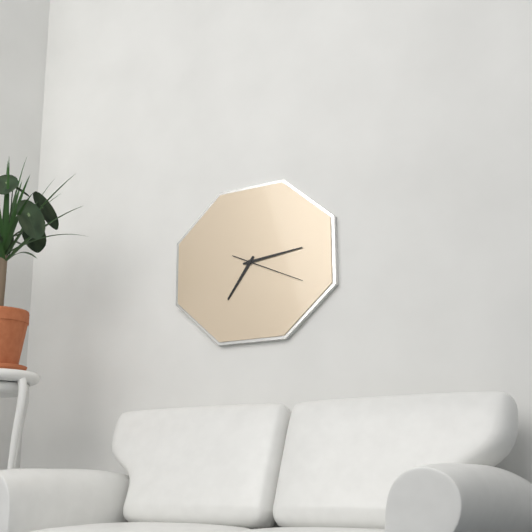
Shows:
7h14m19s
